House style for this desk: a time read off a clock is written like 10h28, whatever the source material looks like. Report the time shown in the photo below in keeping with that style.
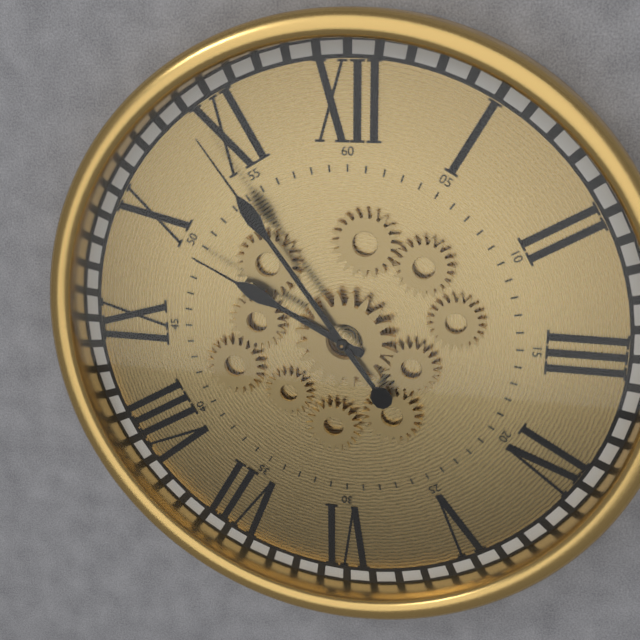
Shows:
9h54
